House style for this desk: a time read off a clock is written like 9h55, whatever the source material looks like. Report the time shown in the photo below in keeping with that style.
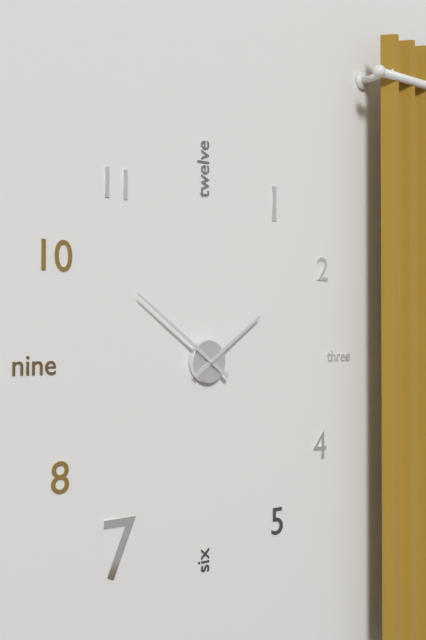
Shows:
1h51
